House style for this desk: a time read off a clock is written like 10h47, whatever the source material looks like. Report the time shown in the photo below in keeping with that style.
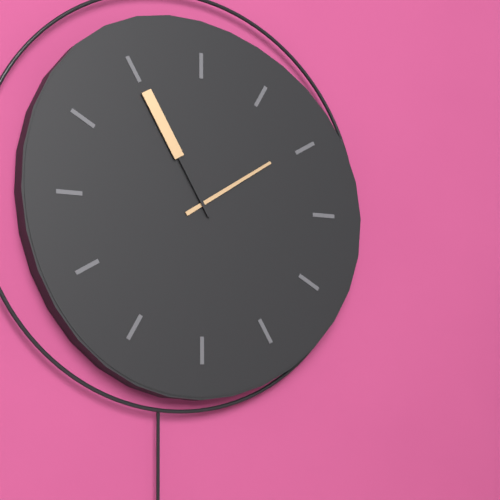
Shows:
1h55
